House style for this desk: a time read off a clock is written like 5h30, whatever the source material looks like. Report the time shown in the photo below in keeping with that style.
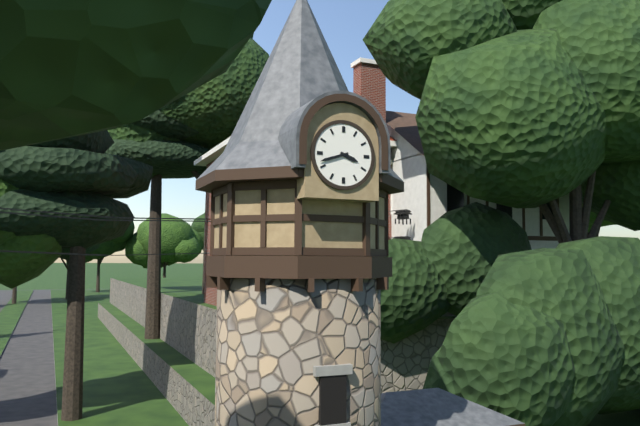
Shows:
3h42
